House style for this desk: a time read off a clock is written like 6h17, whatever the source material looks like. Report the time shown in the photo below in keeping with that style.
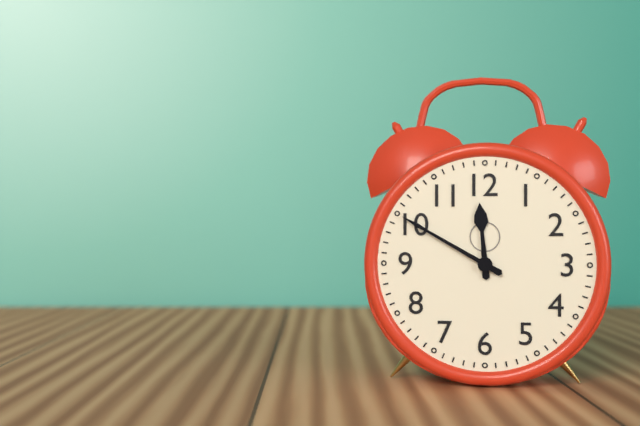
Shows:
11h50
